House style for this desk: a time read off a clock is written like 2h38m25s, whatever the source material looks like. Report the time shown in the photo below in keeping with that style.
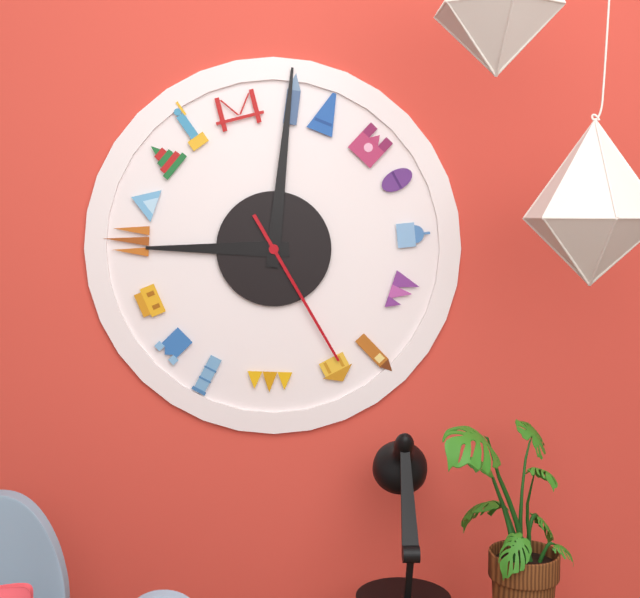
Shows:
9h01m25s
